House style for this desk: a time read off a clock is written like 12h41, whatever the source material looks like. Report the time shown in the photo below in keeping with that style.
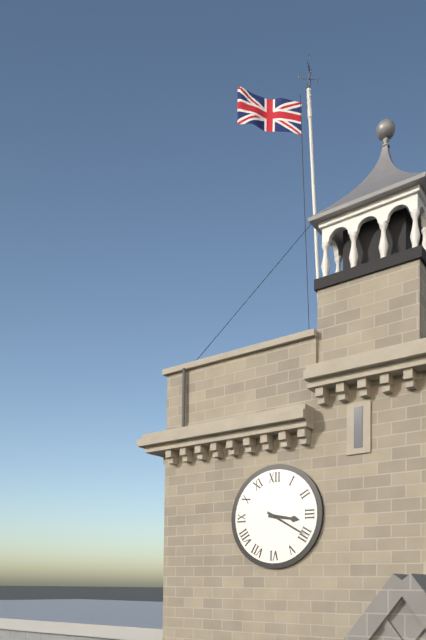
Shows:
3h20
